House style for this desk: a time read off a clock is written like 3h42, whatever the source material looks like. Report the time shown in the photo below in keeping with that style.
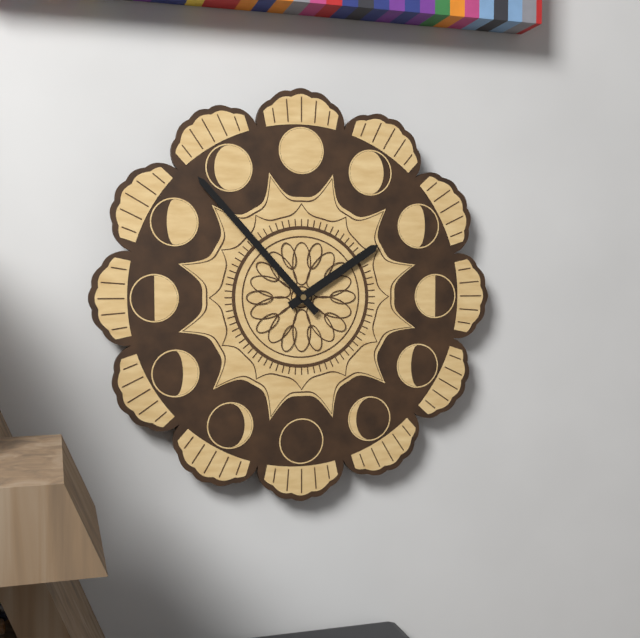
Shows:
1h53
